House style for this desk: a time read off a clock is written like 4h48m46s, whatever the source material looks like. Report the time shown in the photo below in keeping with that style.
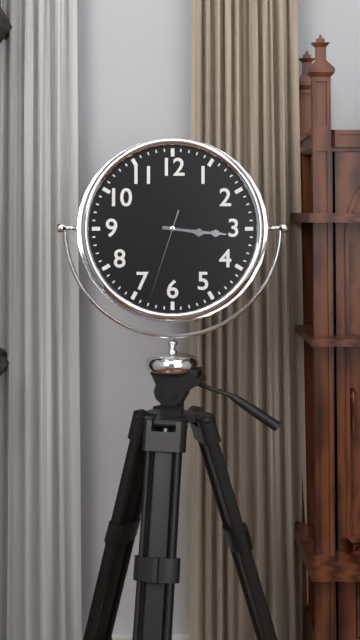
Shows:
3h16m33s
